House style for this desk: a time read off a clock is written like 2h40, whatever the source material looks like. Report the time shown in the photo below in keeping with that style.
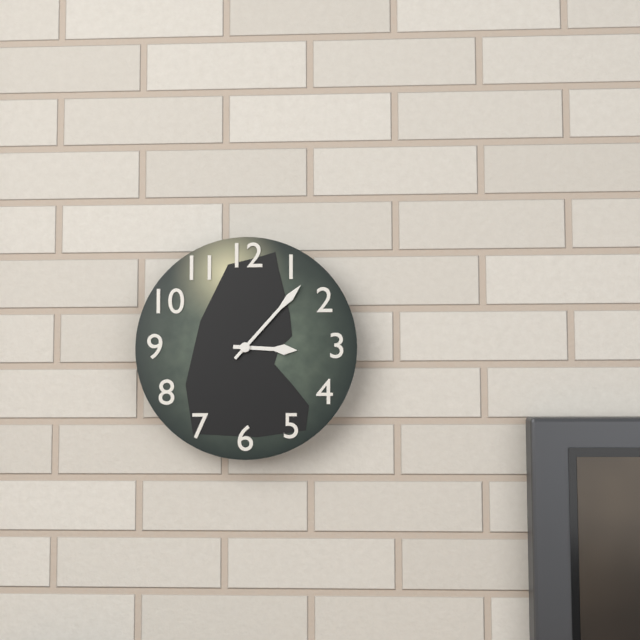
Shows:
3h07
